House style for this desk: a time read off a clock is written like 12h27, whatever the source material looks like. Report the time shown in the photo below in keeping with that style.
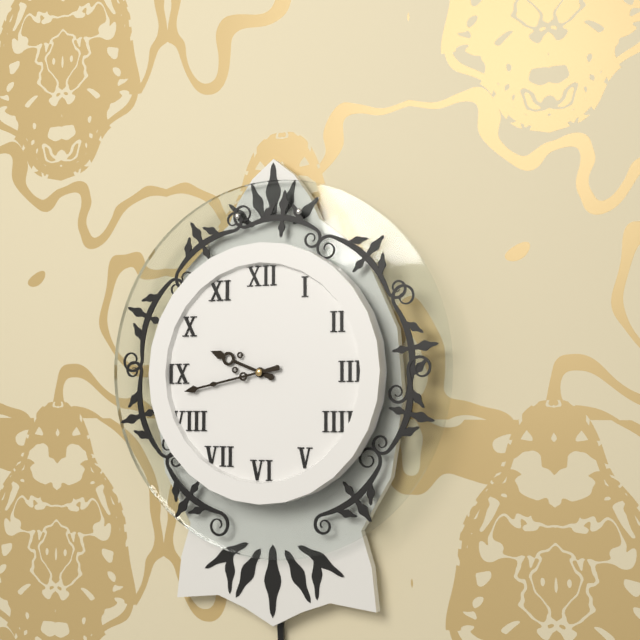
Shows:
9h43
